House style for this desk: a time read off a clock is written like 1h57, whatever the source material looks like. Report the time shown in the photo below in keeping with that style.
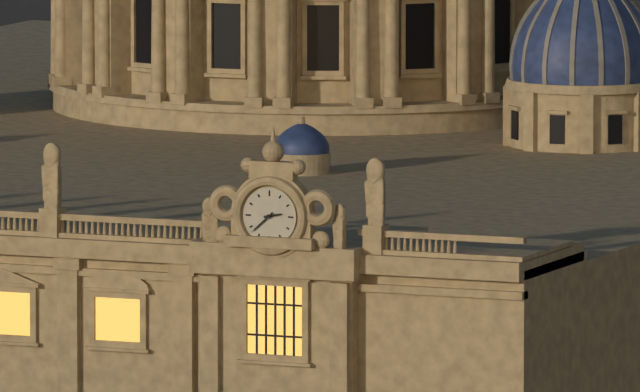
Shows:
2h38
